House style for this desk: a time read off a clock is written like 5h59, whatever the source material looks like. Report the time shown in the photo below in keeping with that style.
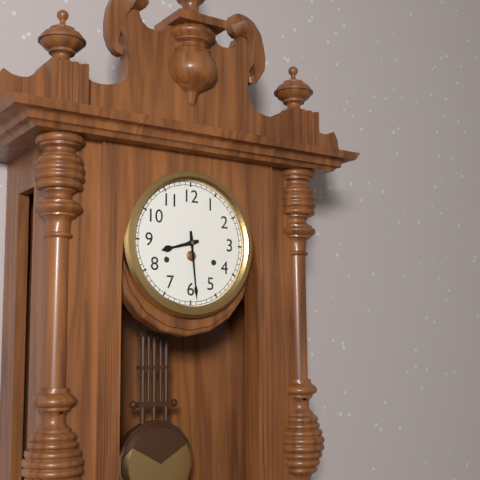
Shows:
8h29
